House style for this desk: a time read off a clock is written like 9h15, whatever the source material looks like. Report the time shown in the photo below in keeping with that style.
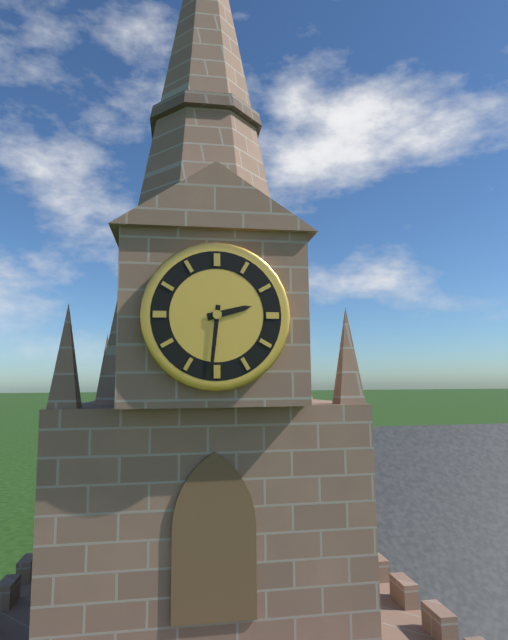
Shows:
2h31
